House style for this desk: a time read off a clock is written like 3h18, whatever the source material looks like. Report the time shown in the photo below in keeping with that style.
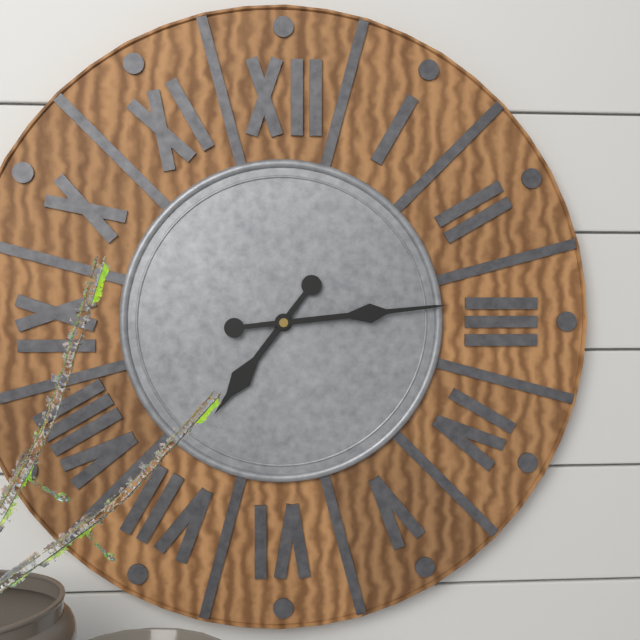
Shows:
7h14
